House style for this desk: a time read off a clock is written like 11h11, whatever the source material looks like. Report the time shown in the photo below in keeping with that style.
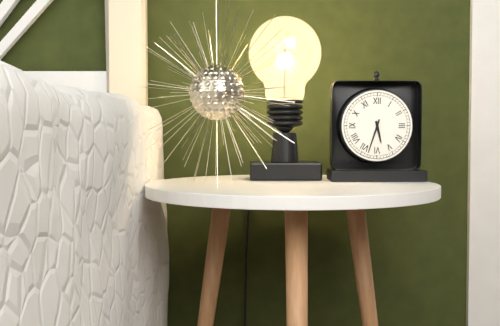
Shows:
5h33
